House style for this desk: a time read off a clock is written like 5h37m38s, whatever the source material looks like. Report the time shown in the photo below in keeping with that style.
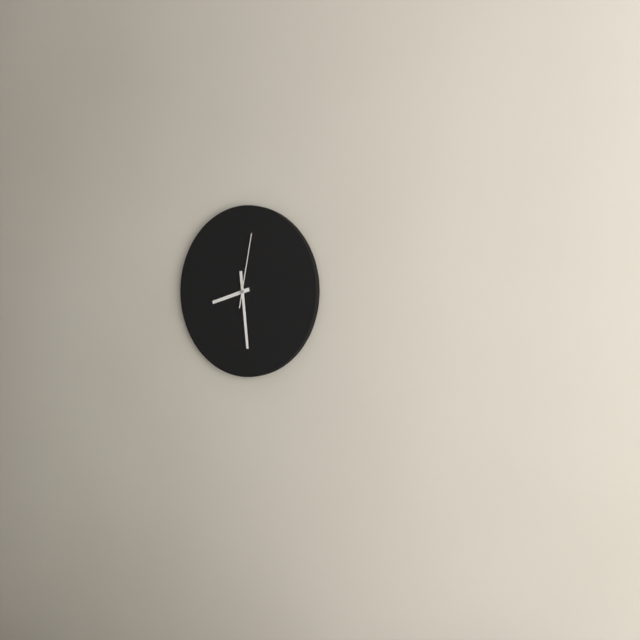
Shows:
8h29m02s
